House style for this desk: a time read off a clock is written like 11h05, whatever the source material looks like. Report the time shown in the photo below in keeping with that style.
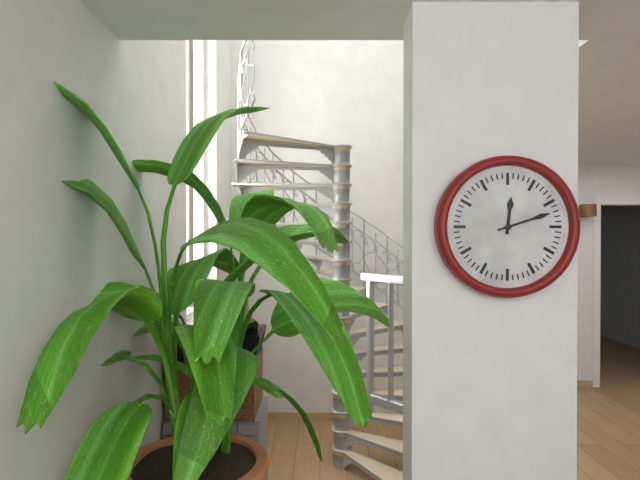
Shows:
12h12
